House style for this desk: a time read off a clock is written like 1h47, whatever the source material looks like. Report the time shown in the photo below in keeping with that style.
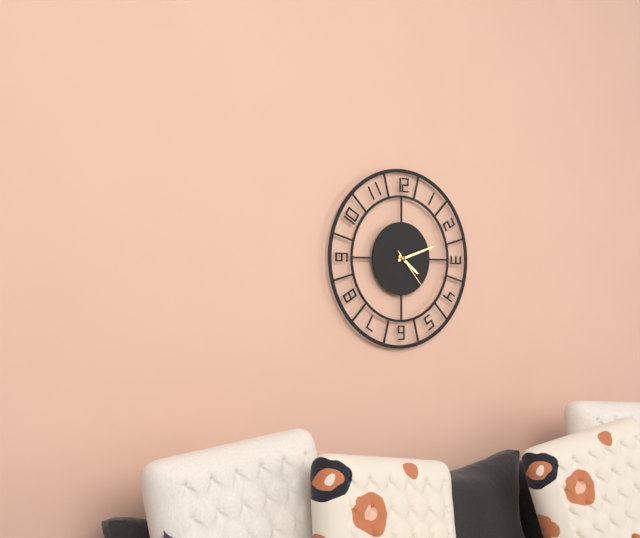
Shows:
4h12
